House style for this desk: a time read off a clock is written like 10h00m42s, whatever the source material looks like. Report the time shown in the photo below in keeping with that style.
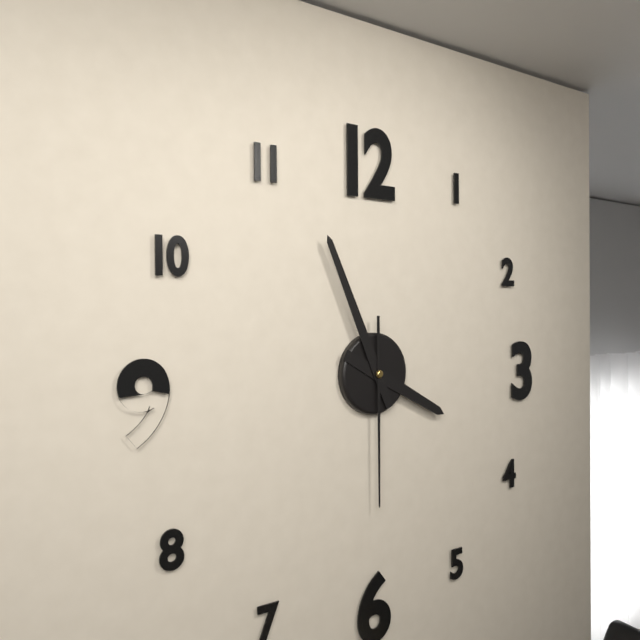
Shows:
3h56m30s
